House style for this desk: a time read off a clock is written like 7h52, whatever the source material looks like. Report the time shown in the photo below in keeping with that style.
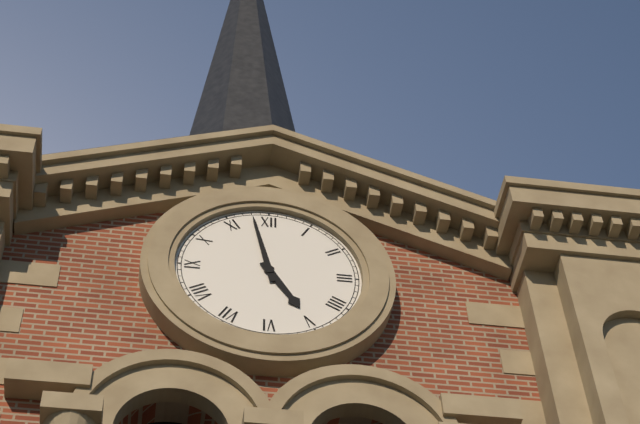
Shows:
4h58
